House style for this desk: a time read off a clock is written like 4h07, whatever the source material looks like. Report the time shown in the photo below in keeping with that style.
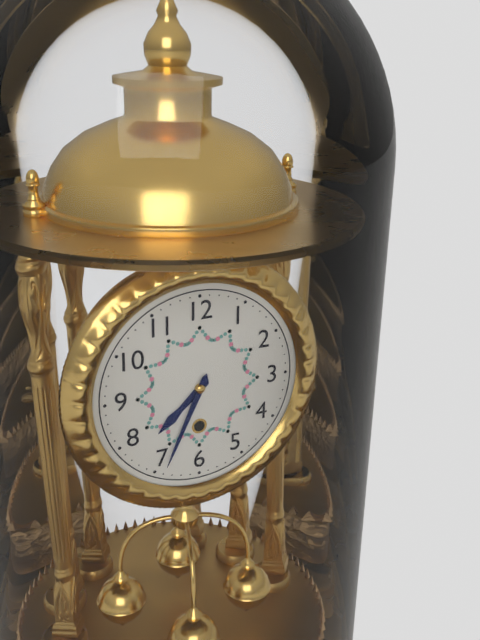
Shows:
7h34
